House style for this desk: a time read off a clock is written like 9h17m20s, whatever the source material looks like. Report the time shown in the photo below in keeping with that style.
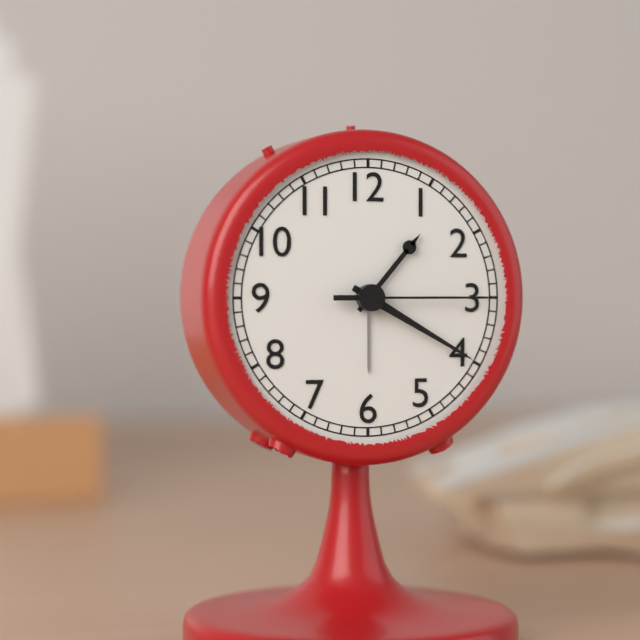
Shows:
1h20m15s
